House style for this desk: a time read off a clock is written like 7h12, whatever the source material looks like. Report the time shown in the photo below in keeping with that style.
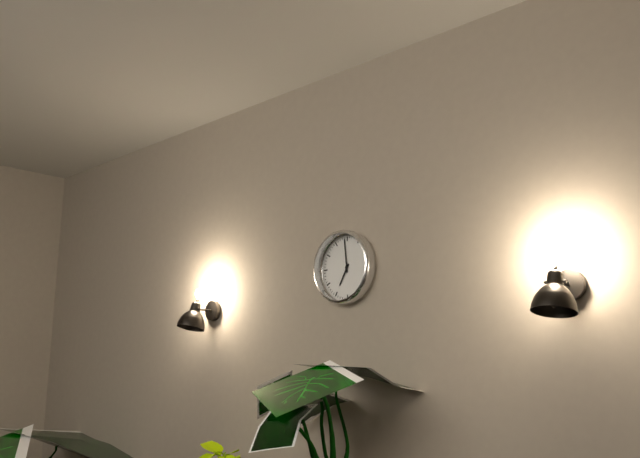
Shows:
6h59
